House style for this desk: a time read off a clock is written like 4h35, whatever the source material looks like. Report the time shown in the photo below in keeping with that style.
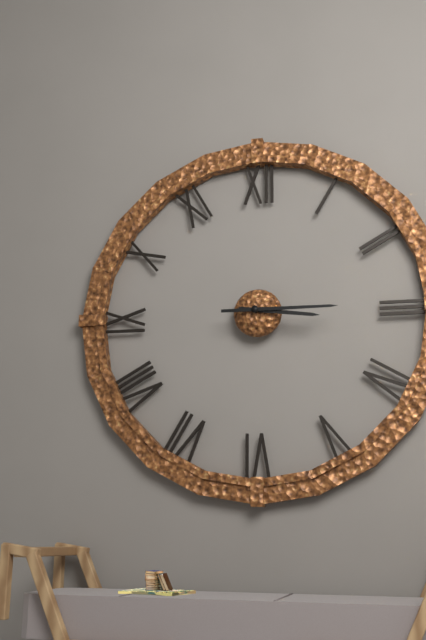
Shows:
3h15
